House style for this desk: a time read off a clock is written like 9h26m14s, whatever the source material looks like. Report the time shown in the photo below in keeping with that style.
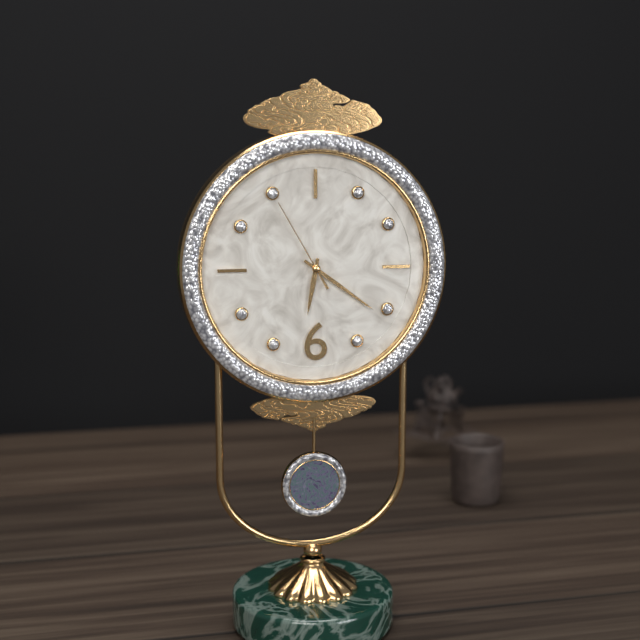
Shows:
6h21m55s
